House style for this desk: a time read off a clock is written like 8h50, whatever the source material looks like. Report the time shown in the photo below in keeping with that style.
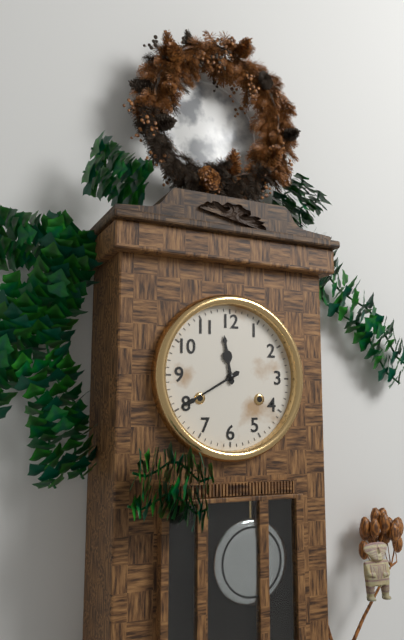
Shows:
11h40
